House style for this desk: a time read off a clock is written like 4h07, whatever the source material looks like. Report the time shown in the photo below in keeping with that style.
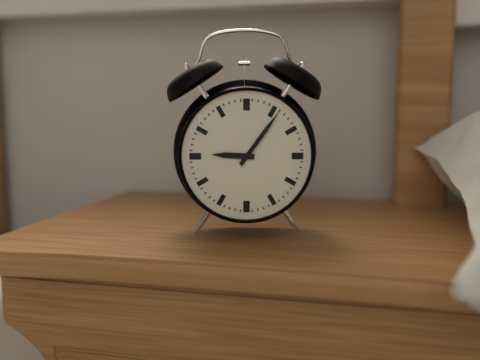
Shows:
9h06
